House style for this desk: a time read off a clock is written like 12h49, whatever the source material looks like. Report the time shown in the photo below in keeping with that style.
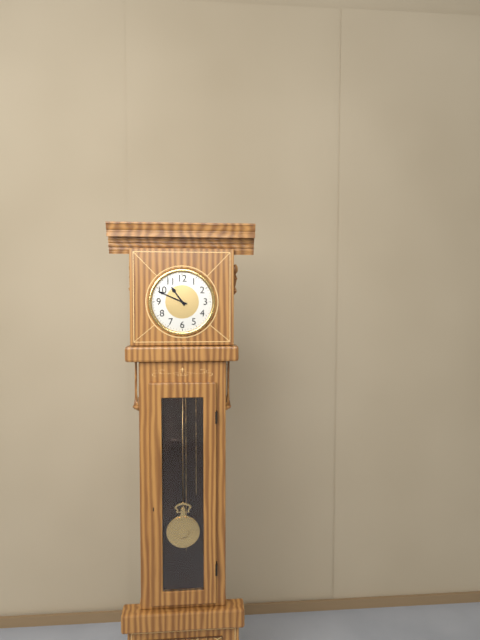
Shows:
10h49
